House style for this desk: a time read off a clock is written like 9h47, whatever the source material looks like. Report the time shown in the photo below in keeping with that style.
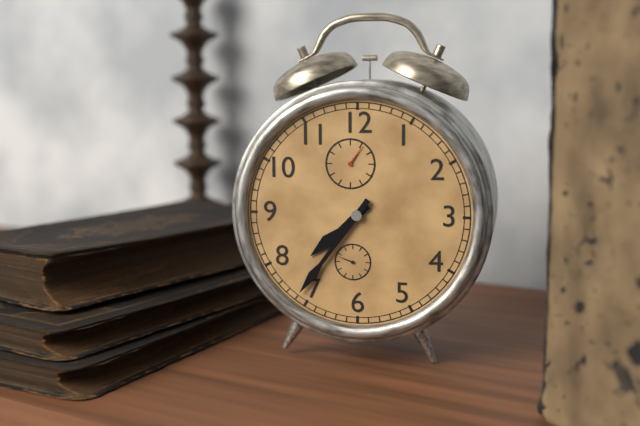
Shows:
7h36
